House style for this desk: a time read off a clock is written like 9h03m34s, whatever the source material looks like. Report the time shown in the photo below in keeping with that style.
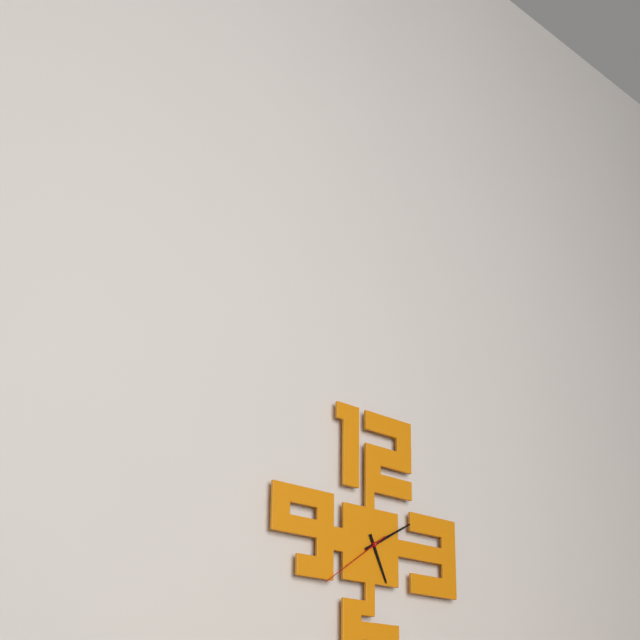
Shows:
5h10m39s
